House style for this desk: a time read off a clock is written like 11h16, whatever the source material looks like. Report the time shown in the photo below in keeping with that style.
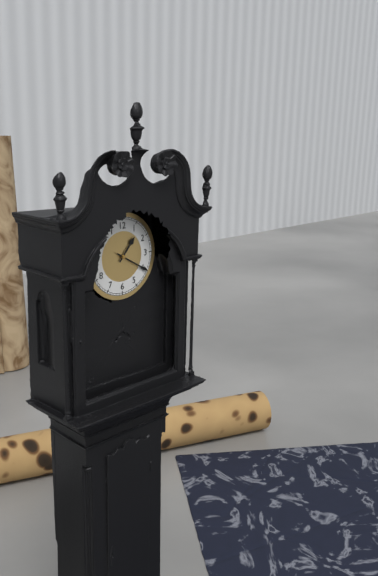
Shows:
1h20
